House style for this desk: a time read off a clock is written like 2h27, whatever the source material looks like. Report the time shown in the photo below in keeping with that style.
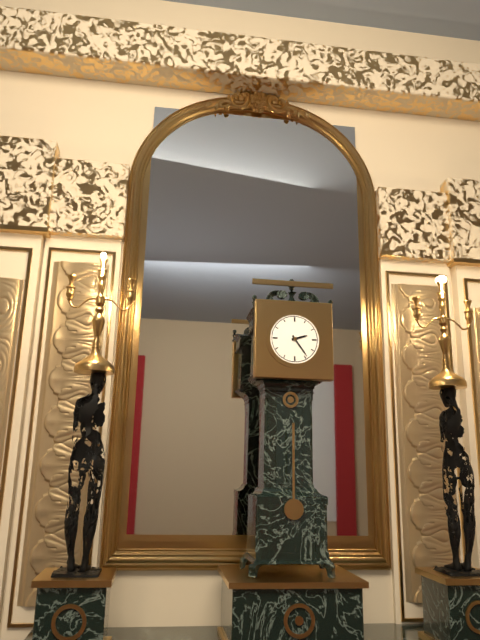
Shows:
2h24
